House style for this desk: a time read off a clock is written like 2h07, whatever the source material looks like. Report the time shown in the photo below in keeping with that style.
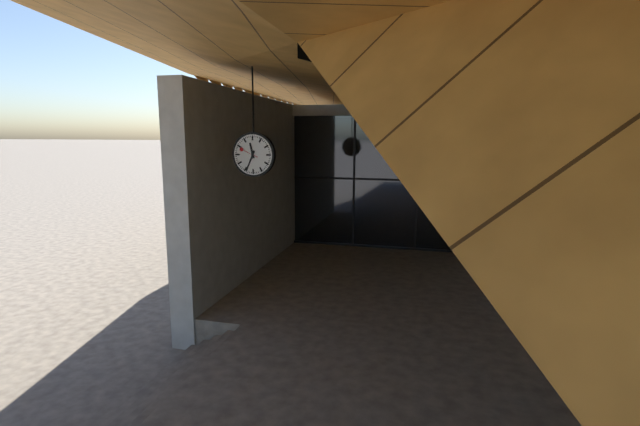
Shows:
11h34
